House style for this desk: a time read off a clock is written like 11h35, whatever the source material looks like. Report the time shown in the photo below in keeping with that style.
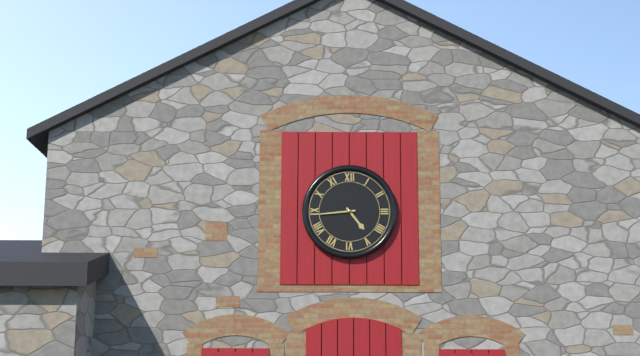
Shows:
4h44
